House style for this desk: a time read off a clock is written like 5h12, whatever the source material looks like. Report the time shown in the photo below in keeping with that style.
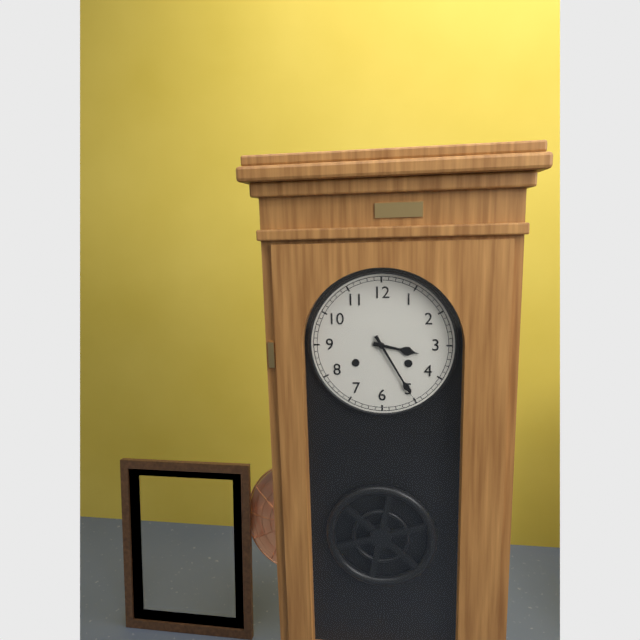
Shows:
3h25
